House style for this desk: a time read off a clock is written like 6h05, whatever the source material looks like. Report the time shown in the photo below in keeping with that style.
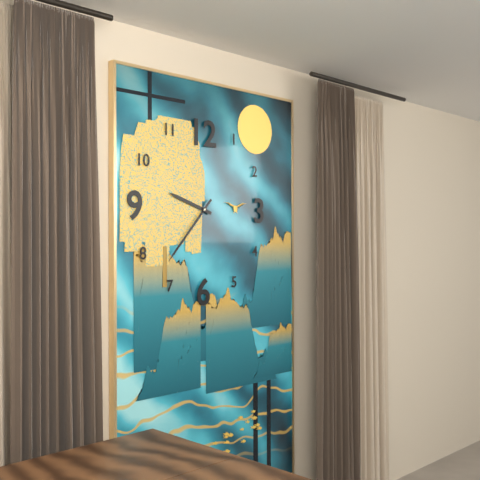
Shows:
9h37
